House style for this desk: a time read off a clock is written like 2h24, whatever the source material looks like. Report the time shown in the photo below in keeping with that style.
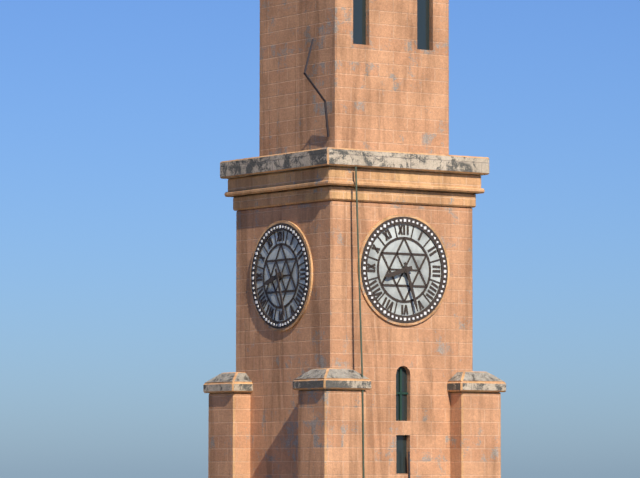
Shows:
8h27
